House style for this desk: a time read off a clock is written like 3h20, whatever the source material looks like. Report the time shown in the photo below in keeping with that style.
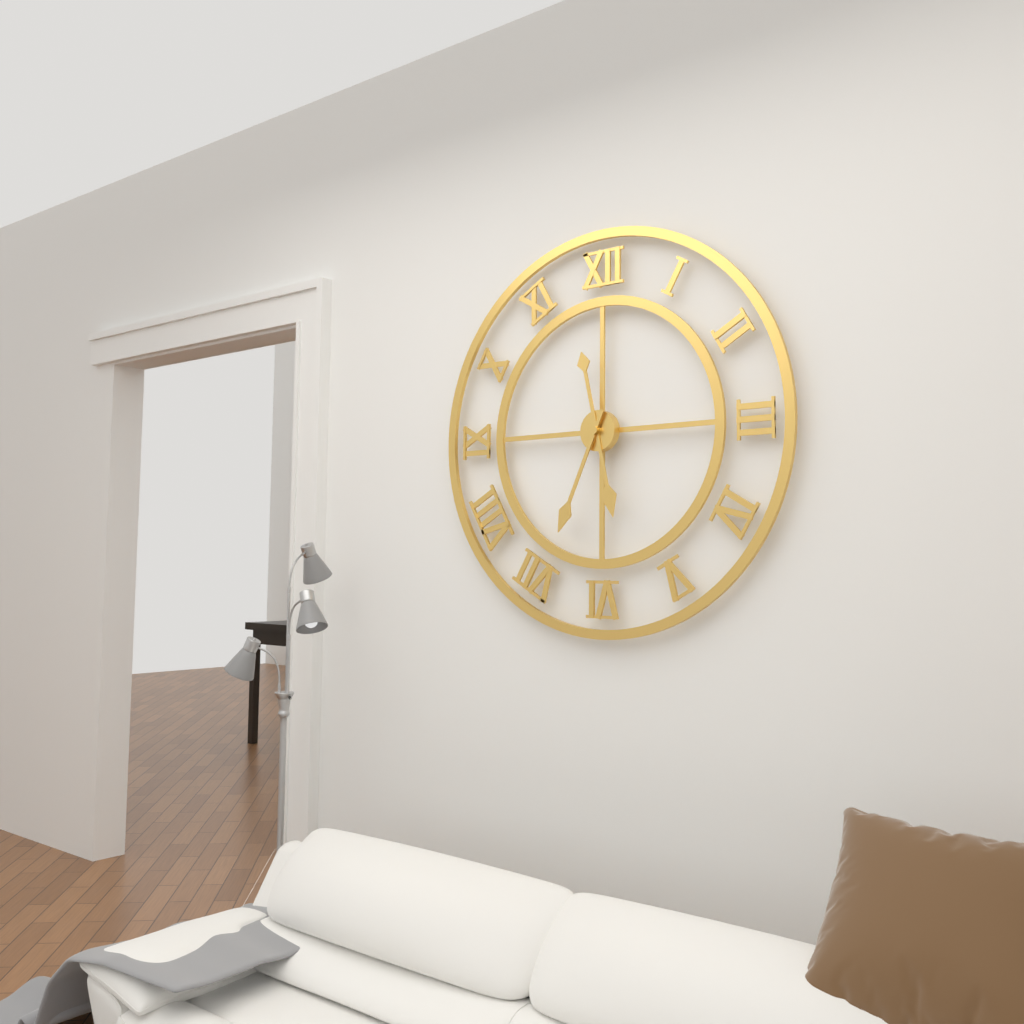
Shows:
5h34
